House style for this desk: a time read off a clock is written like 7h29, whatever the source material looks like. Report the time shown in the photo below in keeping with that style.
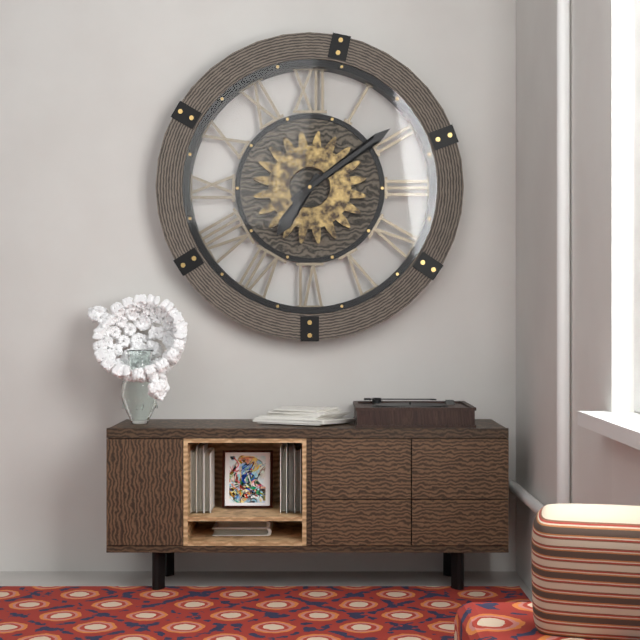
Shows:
7h09
